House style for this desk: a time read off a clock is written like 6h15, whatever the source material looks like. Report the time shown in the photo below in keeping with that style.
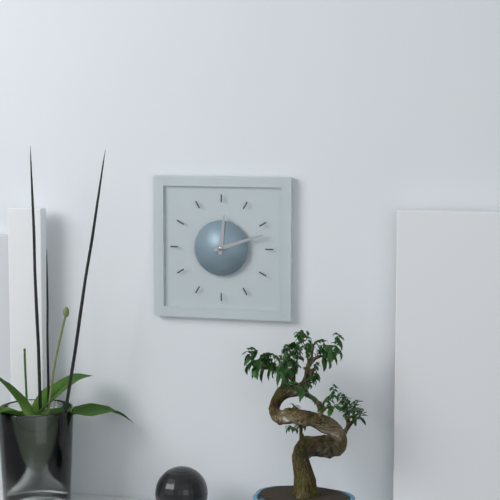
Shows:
12h12
